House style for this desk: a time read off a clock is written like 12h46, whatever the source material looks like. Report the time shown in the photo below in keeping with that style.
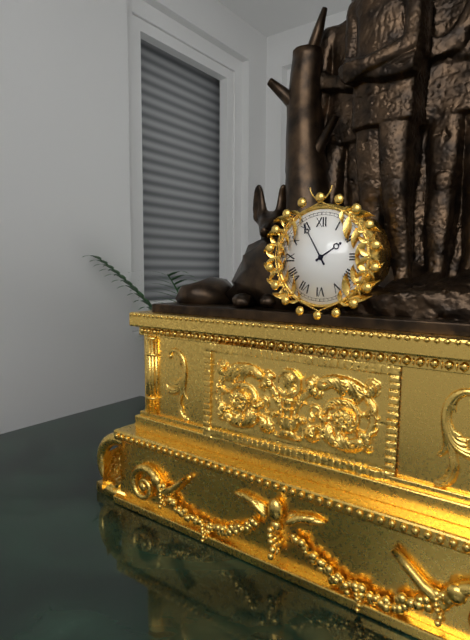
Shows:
1h55
